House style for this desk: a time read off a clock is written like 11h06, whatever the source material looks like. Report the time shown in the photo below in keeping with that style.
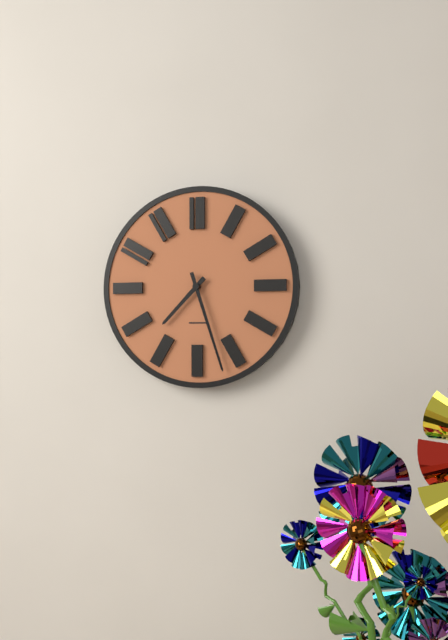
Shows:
7h27
